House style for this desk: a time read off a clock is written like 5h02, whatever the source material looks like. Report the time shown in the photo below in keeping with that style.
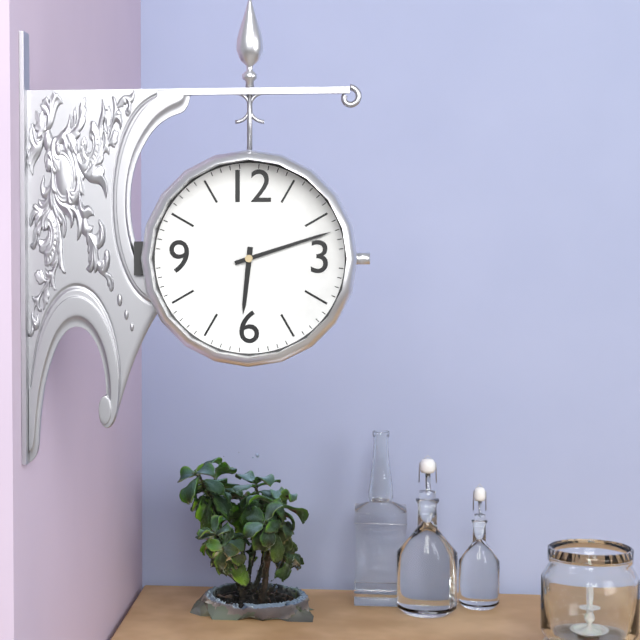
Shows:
6h12
